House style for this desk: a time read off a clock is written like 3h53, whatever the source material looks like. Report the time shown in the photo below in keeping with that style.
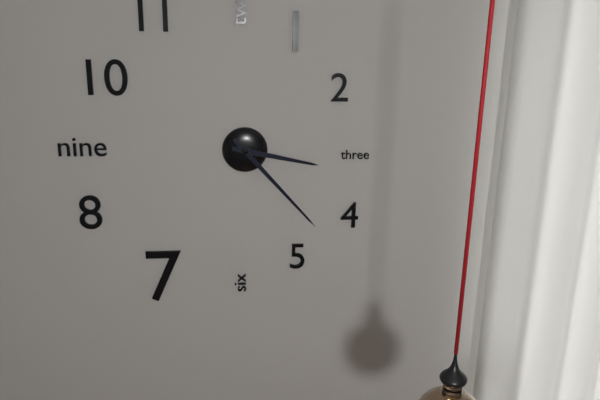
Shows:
3h23
